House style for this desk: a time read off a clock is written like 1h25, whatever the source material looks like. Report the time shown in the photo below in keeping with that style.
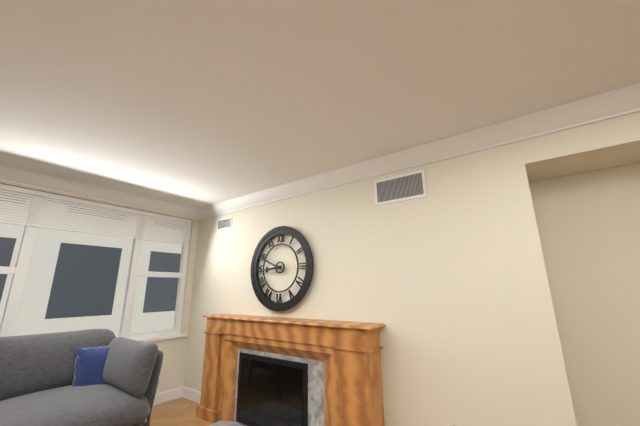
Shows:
8h49
